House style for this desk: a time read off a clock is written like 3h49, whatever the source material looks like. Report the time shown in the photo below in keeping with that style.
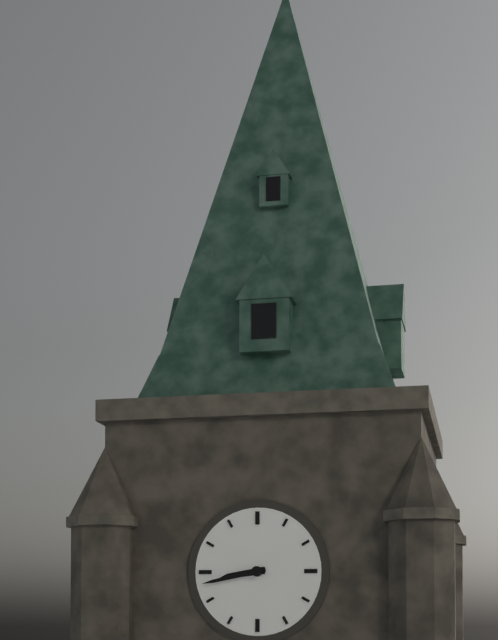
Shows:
8h43
